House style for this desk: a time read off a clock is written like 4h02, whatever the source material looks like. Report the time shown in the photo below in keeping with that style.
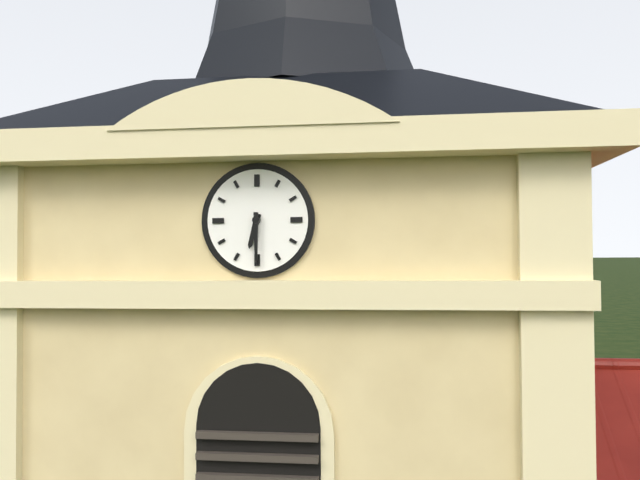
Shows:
6h30
